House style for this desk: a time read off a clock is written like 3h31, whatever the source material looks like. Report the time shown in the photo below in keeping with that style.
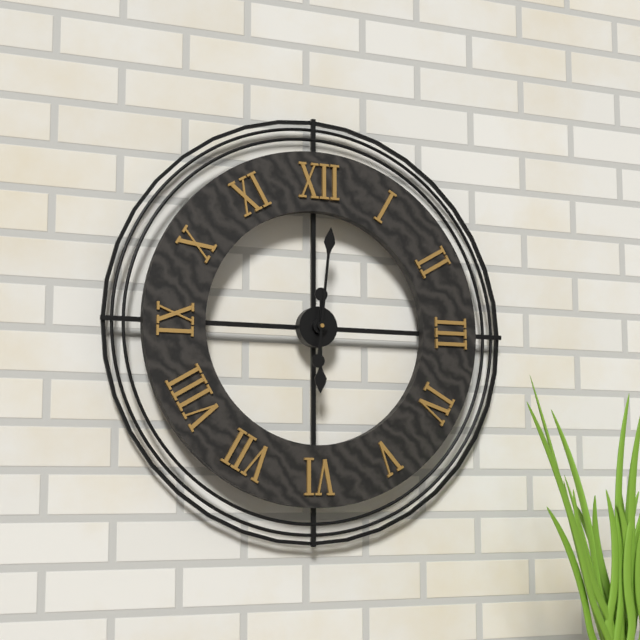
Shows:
6h01
